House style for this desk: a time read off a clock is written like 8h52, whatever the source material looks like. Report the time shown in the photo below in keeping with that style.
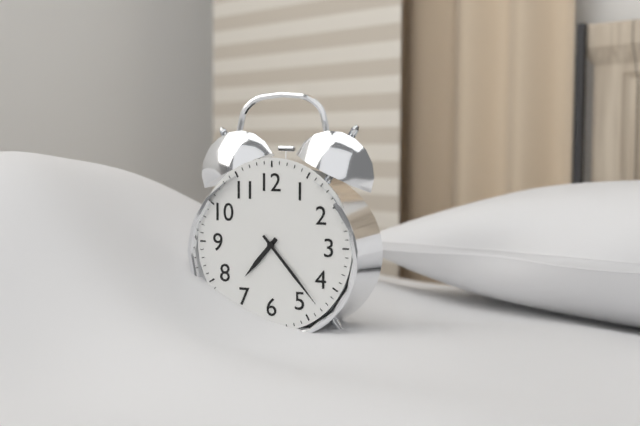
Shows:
7h23
